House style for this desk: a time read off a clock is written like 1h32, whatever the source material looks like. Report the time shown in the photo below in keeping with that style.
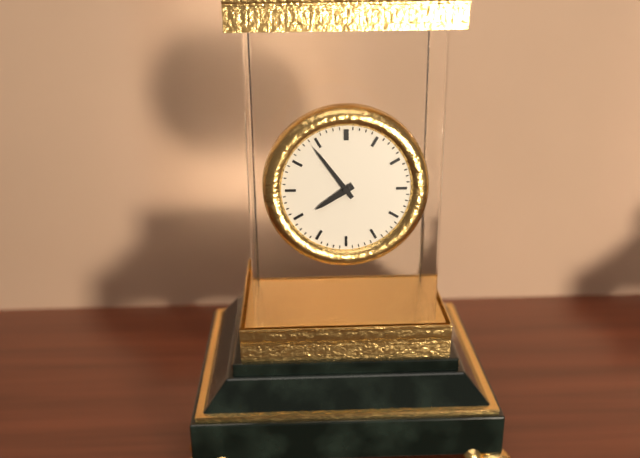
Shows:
7h54
